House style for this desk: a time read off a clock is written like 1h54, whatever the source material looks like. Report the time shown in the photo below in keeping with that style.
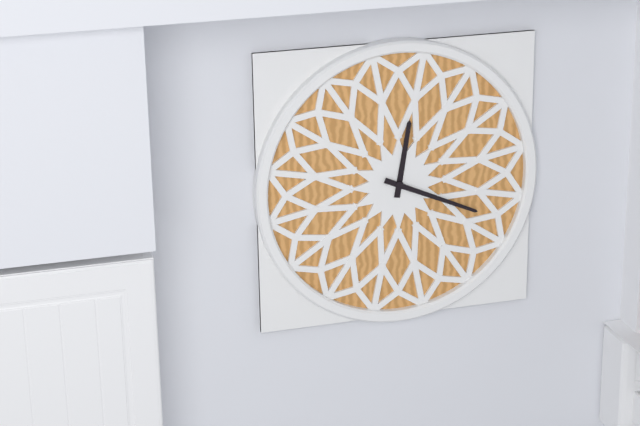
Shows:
12h19
